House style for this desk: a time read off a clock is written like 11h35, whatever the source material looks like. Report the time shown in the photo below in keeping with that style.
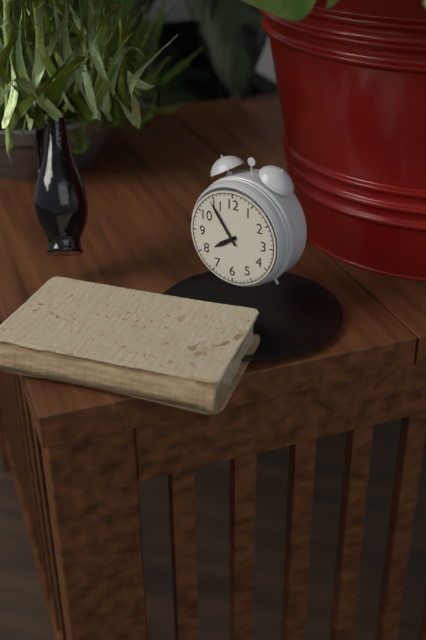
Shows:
7h54
